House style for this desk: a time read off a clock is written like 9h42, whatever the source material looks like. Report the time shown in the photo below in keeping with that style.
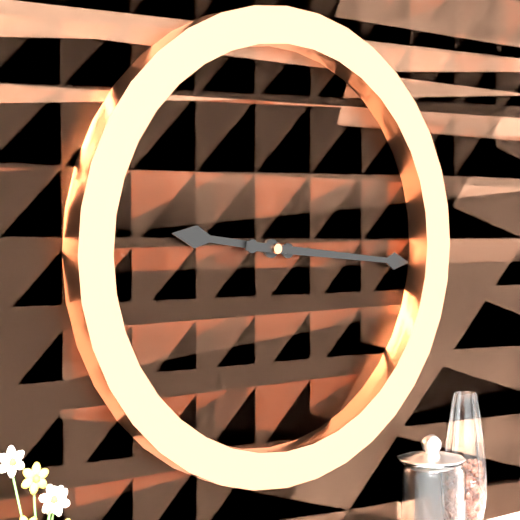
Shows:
9h16
